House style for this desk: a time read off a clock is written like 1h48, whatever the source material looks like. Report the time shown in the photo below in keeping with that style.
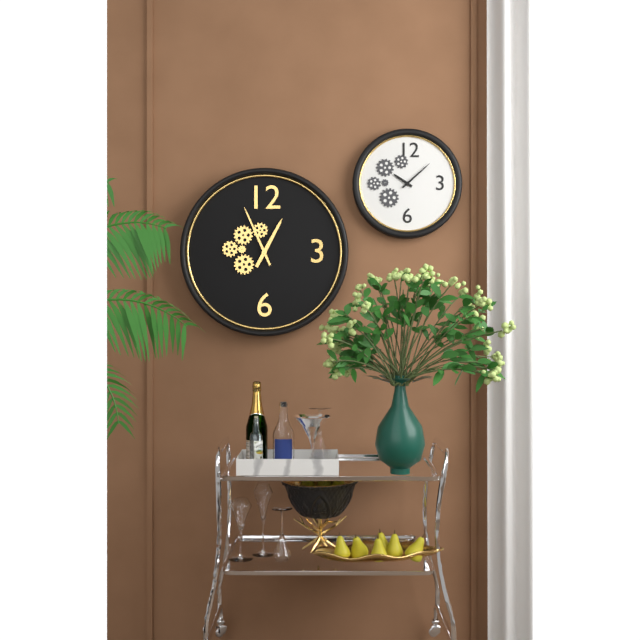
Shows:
12h56
